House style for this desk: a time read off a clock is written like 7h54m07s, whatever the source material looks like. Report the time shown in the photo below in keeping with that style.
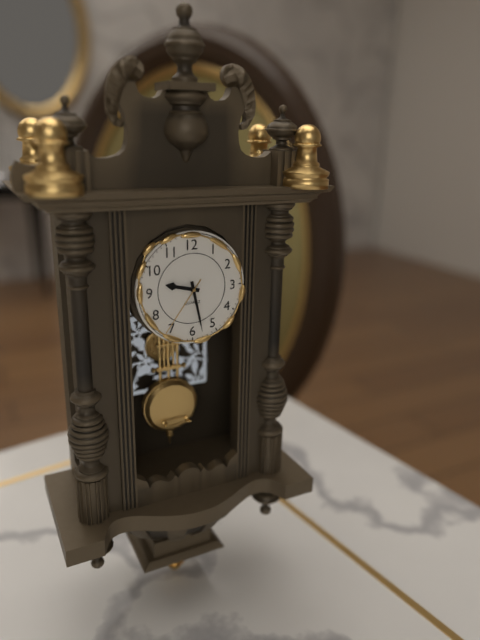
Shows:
9h28m36s
